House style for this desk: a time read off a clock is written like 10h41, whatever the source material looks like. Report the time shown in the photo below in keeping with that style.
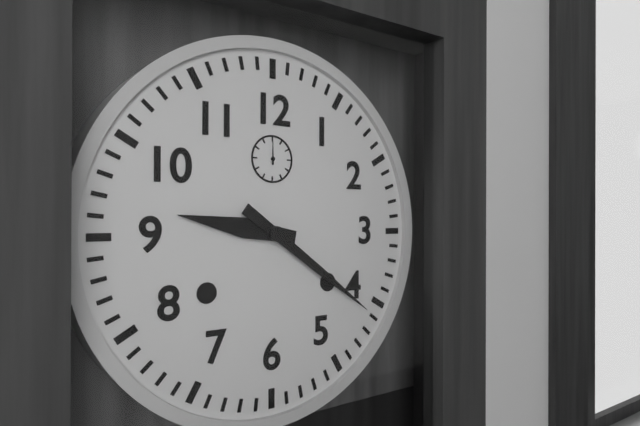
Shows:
9h21
